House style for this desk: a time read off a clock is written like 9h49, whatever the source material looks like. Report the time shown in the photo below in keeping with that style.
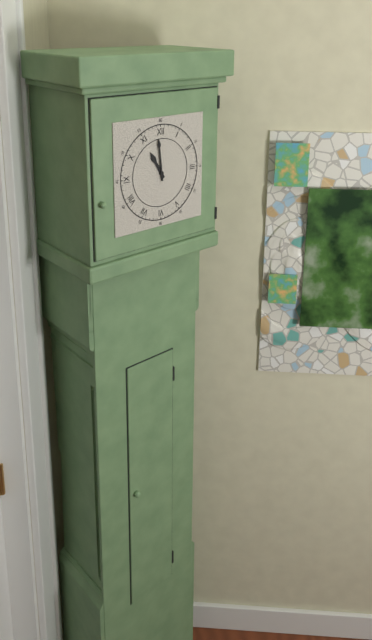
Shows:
10h59
